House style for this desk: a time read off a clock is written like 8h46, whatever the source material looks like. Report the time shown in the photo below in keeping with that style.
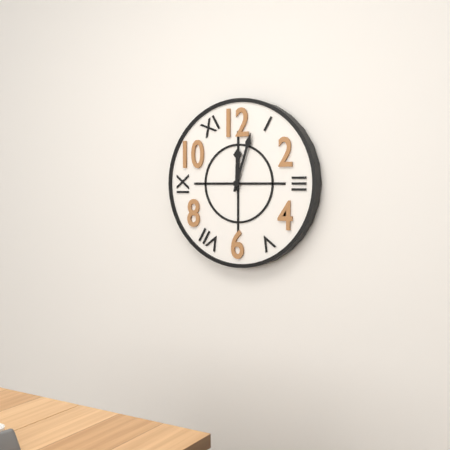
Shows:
12h03
